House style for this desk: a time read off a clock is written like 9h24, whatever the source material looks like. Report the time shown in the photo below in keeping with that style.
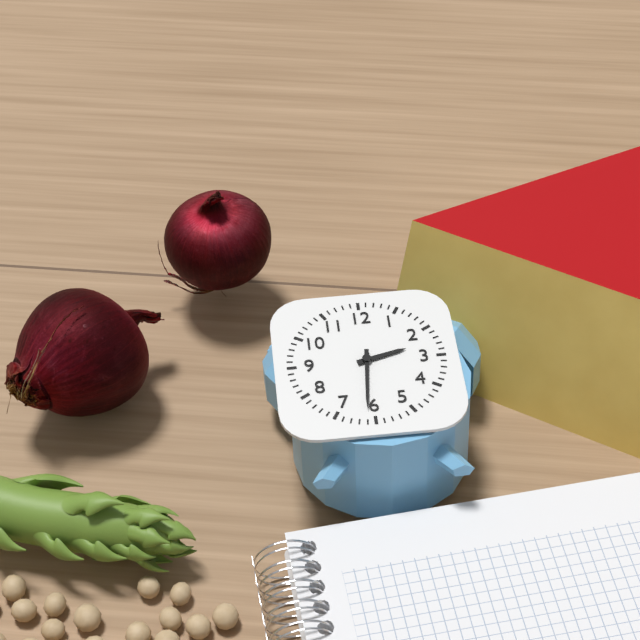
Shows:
2h31
